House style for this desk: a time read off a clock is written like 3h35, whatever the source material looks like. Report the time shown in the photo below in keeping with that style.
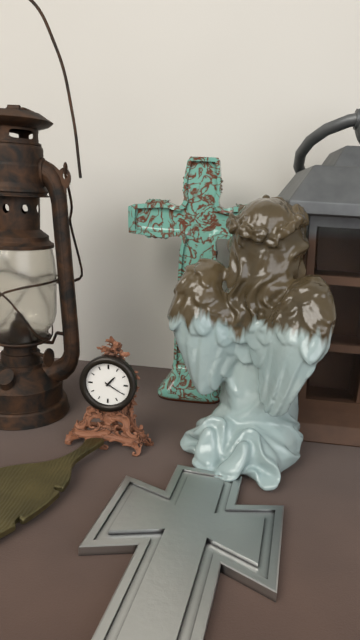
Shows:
1h20
